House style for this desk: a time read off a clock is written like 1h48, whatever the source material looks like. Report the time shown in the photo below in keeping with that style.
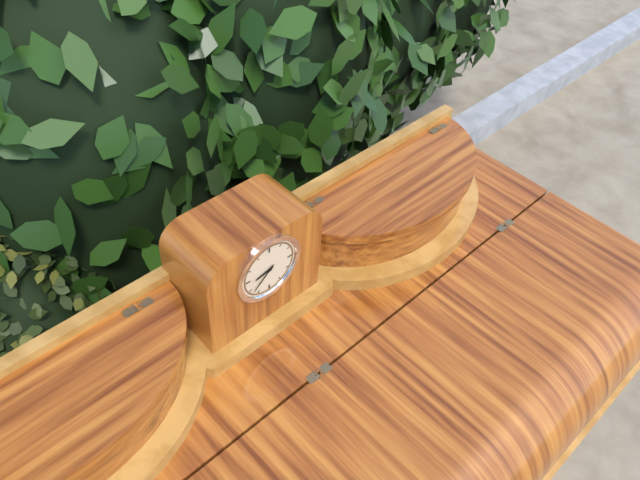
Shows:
8h38
